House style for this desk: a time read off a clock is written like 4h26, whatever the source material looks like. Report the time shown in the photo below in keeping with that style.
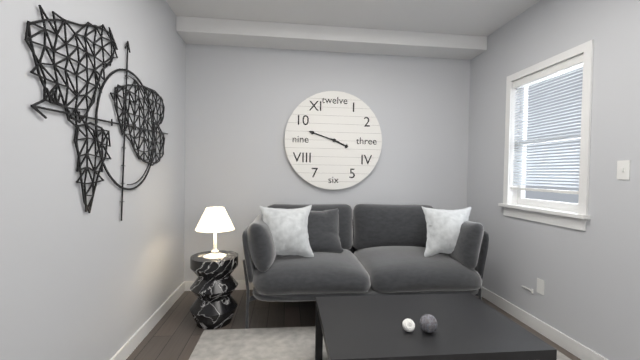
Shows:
3h48
